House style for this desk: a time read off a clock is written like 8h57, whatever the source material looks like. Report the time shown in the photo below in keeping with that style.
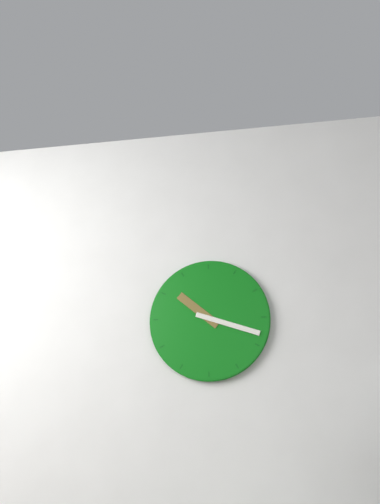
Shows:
10h18
